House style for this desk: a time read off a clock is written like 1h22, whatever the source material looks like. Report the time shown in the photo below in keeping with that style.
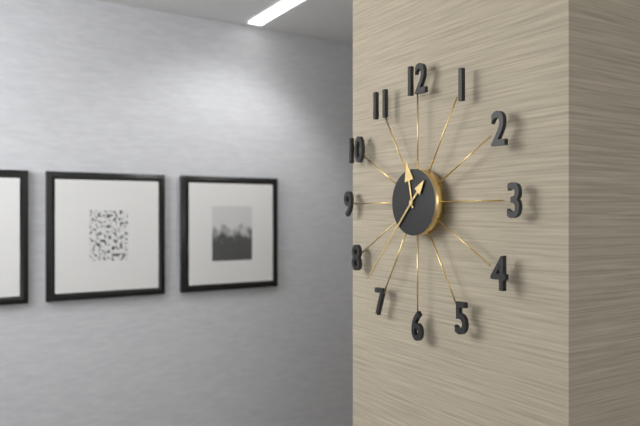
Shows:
11h37
